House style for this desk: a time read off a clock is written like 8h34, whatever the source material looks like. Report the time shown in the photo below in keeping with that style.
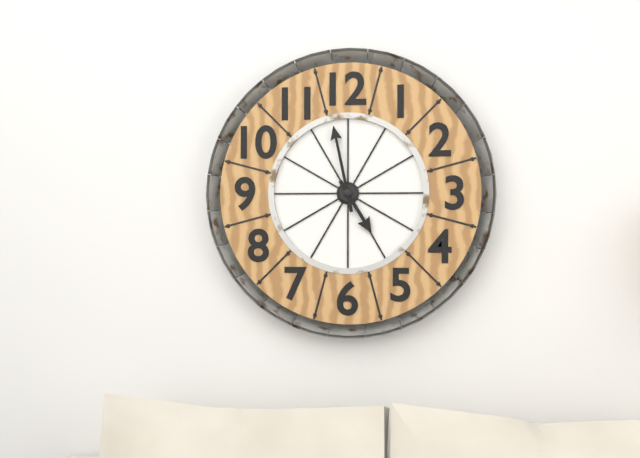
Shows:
4h58
